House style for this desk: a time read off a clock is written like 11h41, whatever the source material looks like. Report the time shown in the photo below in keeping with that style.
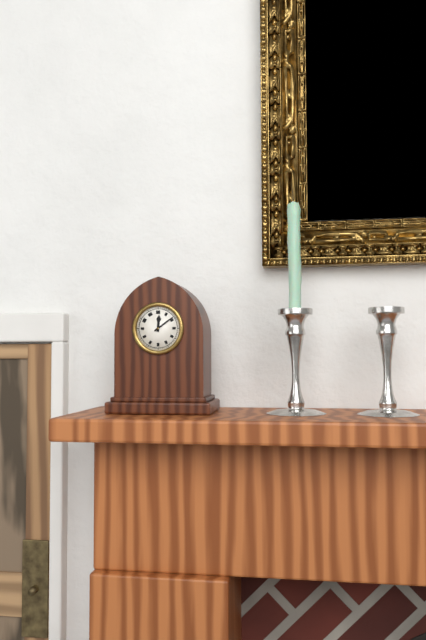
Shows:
12h09
